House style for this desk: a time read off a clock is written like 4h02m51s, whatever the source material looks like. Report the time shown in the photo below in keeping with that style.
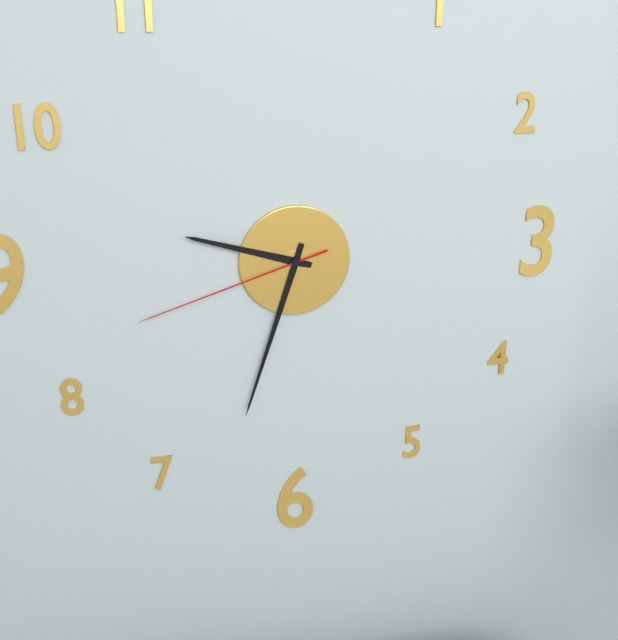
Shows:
9h33m42s
